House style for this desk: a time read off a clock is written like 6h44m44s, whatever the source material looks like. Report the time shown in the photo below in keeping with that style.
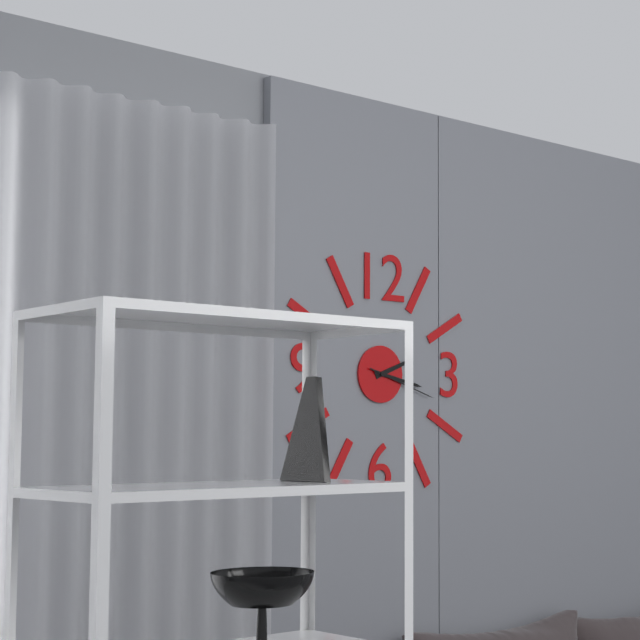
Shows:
2h17m18s
